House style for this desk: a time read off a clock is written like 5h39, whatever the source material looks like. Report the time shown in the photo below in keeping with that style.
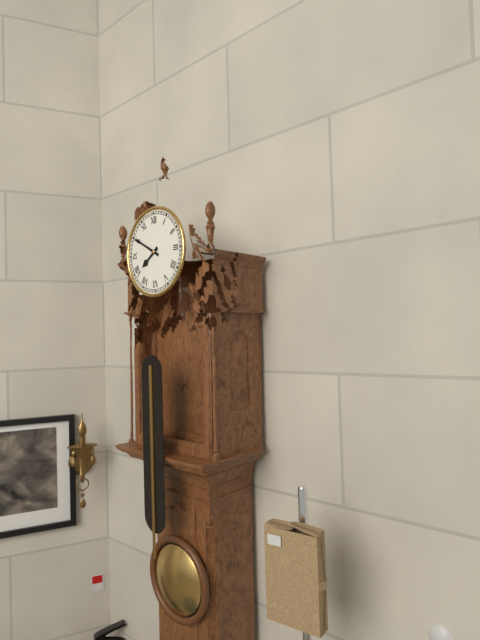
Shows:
7h50
